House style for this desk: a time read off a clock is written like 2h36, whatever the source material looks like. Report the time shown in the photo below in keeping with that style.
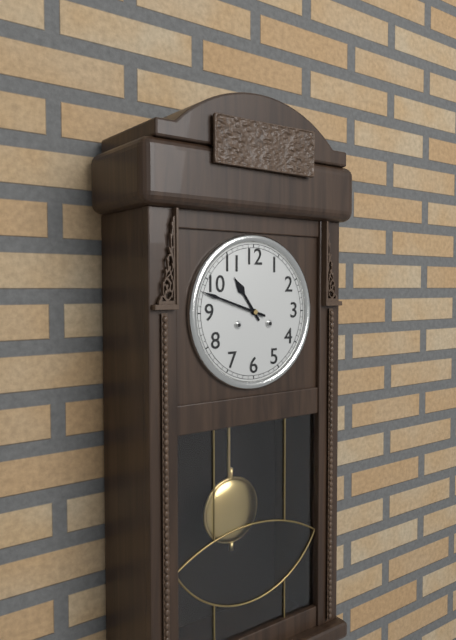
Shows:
10h48
